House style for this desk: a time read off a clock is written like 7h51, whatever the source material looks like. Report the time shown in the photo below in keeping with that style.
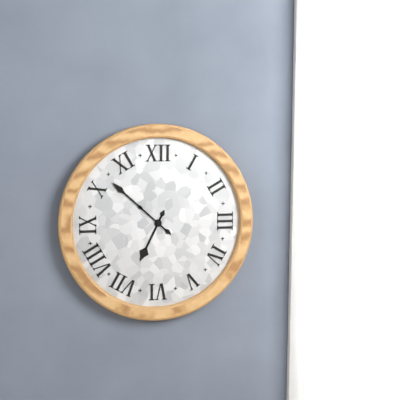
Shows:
6h52
